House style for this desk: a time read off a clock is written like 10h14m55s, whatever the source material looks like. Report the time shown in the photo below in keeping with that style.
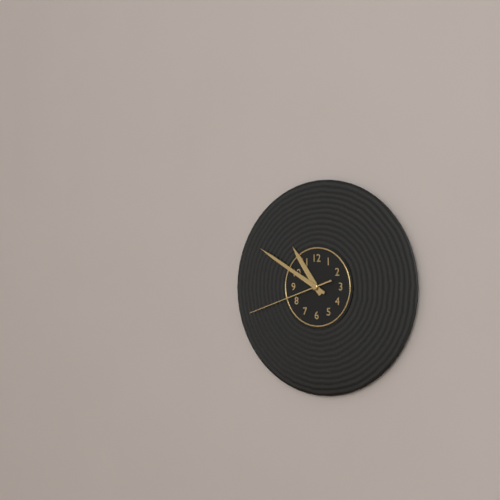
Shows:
10h50m42s
